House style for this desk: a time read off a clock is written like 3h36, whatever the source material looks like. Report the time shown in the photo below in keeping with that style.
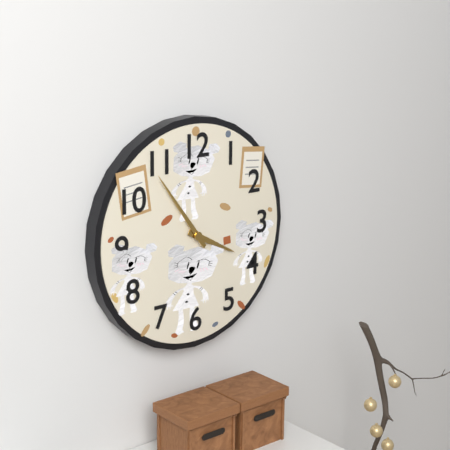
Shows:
3h54
